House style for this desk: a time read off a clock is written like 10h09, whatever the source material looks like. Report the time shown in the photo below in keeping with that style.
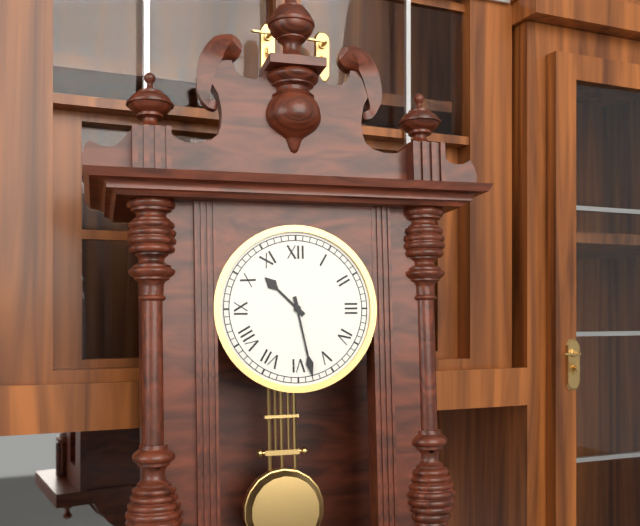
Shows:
10h28
